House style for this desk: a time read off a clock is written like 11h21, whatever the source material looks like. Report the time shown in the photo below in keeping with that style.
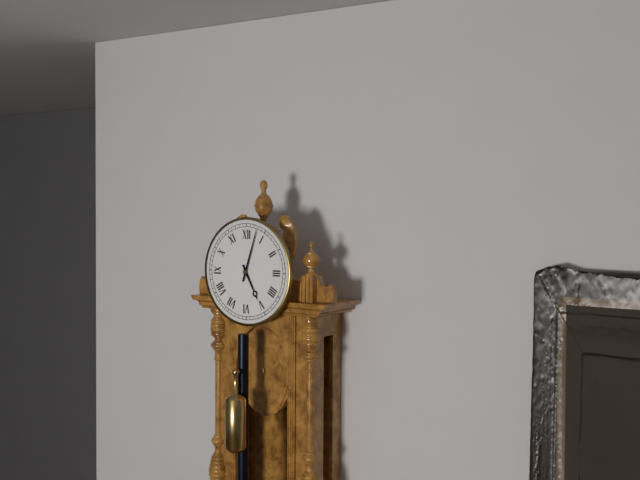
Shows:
5h03
